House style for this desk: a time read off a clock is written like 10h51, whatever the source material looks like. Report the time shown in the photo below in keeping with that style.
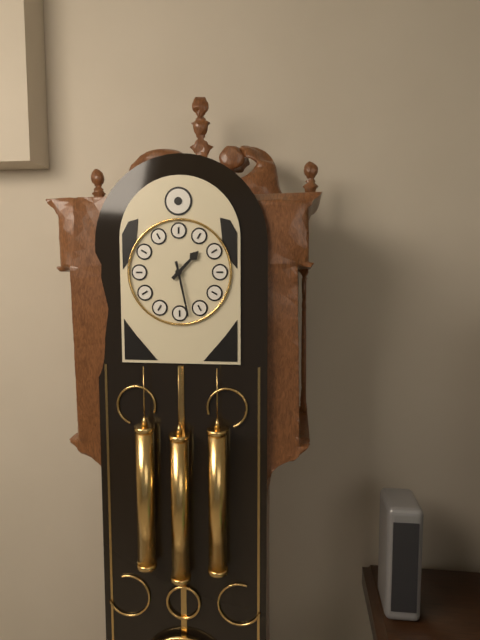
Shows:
1h28
